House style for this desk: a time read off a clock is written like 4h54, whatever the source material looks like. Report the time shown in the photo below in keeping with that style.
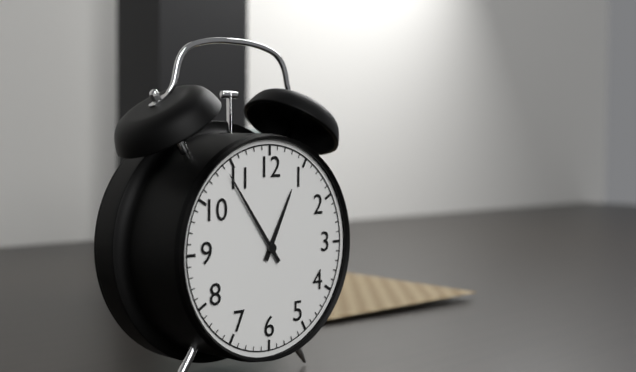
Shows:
12h54
